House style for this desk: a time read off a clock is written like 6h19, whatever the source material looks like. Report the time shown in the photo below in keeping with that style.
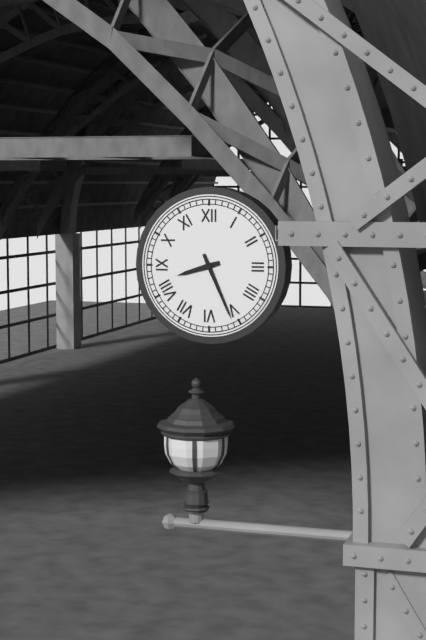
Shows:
8h26
